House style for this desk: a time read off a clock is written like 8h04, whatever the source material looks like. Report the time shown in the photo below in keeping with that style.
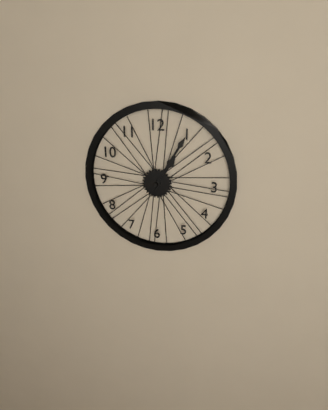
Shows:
1h05
